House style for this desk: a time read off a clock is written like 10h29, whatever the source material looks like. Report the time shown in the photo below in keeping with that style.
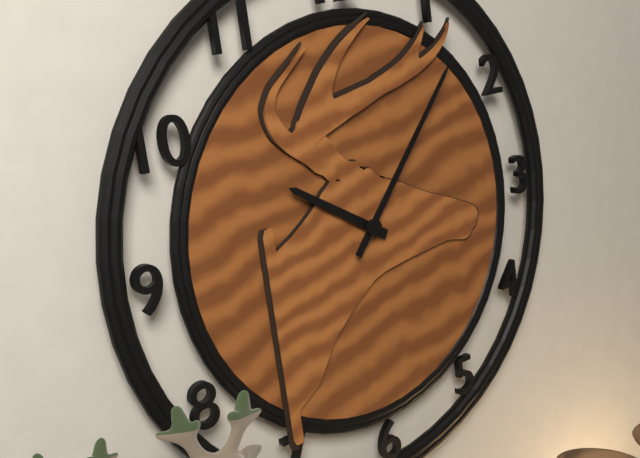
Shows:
10h07
